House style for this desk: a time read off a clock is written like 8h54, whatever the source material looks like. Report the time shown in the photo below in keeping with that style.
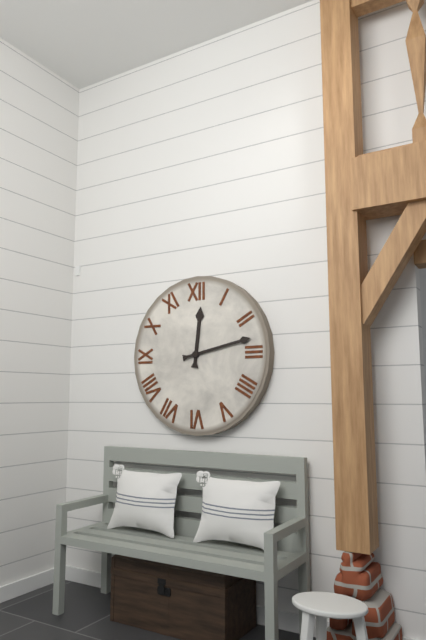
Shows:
12h13
